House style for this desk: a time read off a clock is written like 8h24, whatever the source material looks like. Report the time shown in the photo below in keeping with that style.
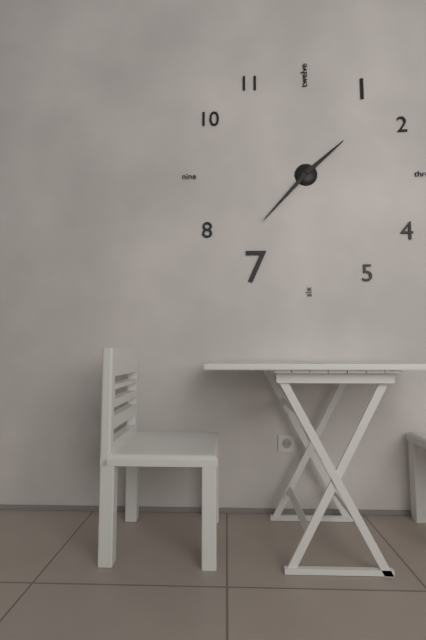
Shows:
1h37
